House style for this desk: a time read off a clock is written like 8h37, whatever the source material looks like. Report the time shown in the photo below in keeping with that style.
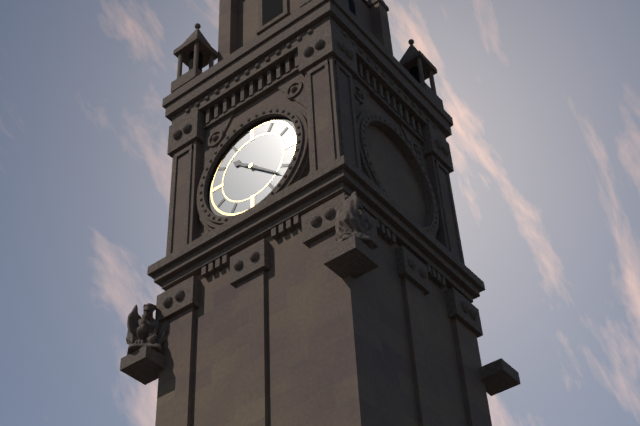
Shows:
10h22
